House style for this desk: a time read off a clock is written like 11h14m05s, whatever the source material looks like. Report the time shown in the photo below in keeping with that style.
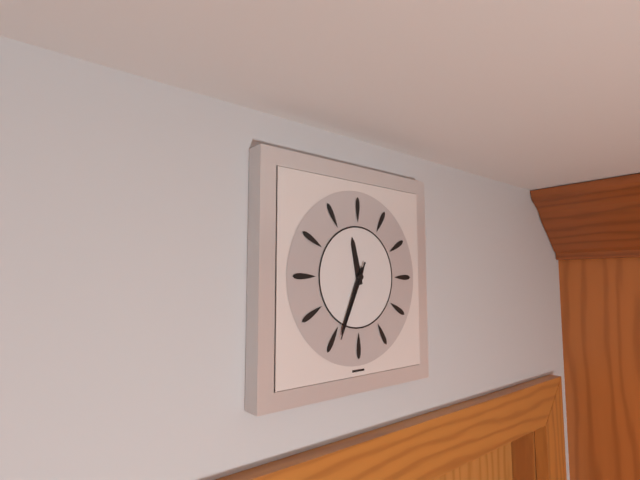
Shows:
11h34m34s
